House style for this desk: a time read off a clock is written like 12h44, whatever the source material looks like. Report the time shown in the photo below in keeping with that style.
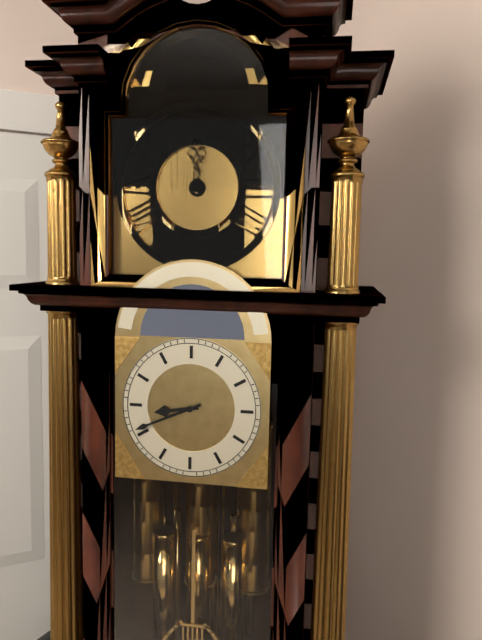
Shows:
8h41
